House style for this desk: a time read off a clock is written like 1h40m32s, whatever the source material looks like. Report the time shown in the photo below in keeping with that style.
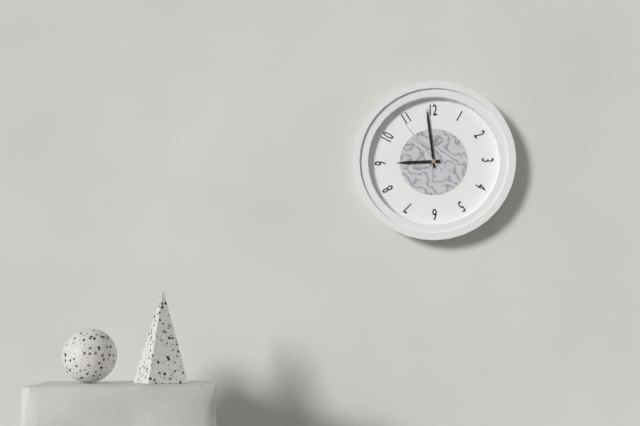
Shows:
8h59m54s
